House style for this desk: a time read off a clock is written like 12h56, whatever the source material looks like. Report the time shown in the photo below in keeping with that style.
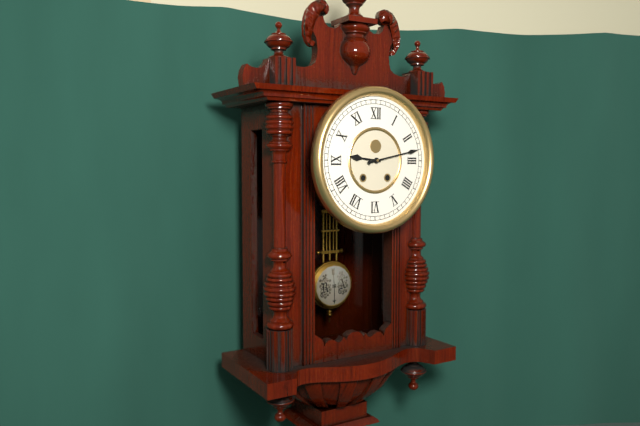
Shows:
9h13
